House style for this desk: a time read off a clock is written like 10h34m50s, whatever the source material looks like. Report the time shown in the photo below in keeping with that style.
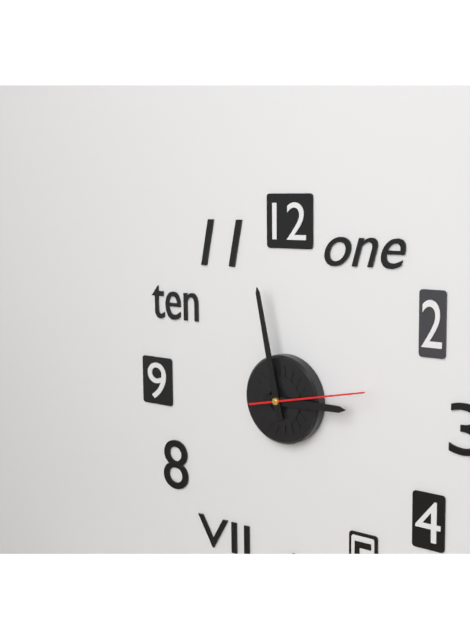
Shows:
2h58m13s
